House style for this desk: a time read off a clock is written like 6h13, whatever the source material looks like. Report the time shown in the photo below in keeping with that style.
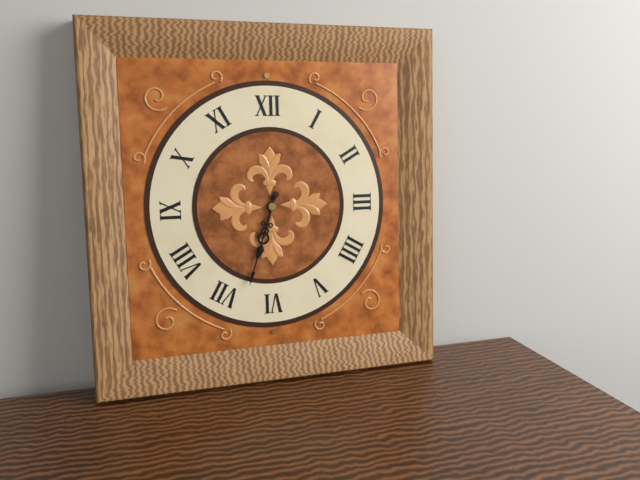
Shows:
6h33
